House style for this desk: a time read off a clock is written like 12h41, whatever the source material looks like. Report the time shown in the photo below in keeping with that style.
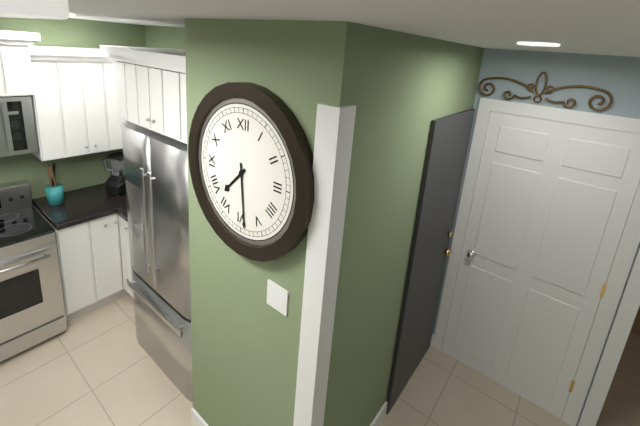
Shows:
7h29
